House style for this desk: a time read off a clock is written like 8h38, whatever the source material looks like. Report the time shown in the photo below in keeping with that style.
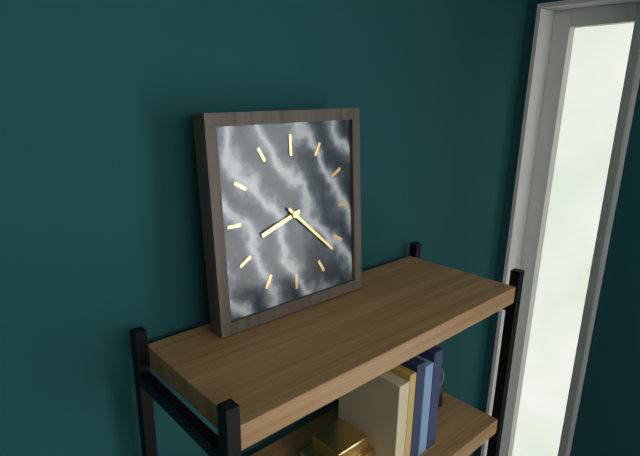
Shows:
8h22
